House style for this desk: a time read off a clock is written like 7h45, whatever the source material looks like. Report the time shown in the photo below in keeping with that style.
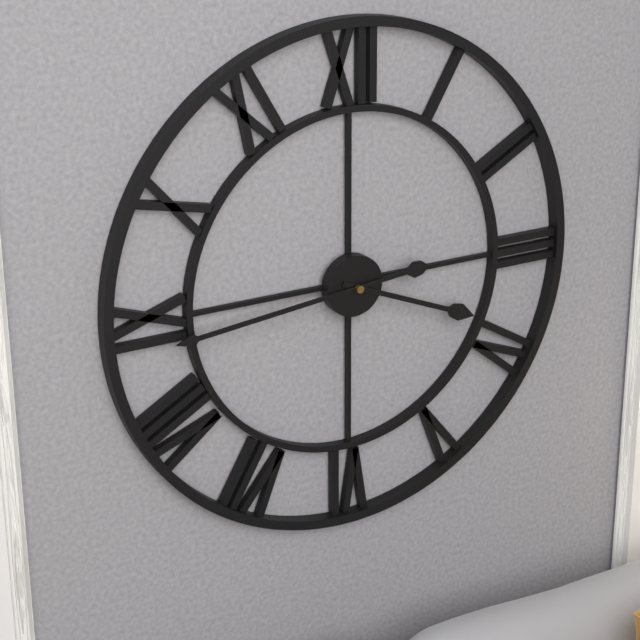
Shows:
3h44
